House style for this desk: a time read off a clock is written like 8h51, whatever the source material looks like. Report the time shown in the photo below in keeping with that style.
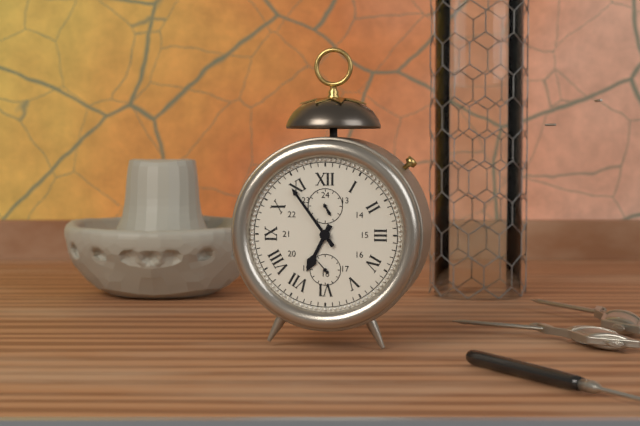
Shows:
6h54
